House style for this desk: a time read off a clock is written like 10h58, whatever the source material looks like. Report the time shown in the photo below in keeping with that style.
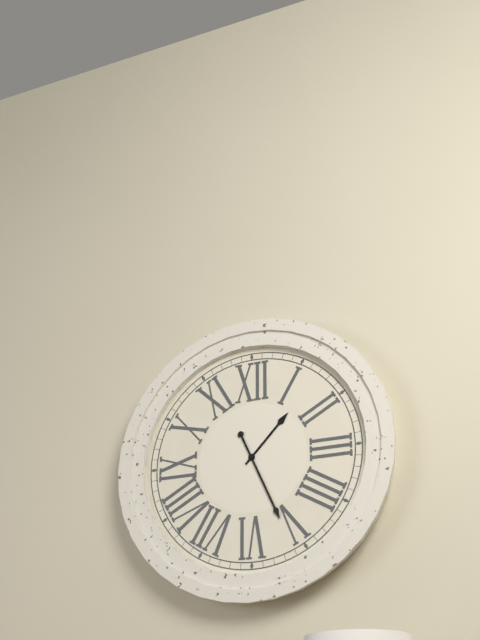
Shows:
1h26
